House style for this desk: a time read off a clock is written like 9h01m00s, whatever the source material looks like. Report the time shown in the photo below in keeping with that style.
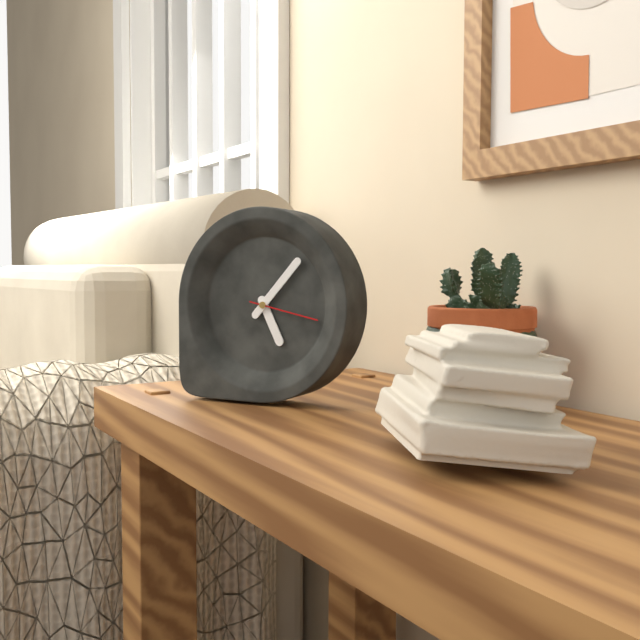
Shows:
5h07m17s
